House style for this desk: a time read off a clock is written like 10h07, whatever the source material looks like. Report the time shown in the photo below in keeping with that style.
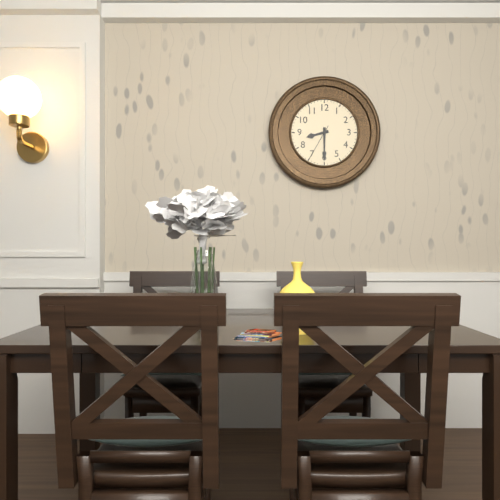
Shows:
8h30
